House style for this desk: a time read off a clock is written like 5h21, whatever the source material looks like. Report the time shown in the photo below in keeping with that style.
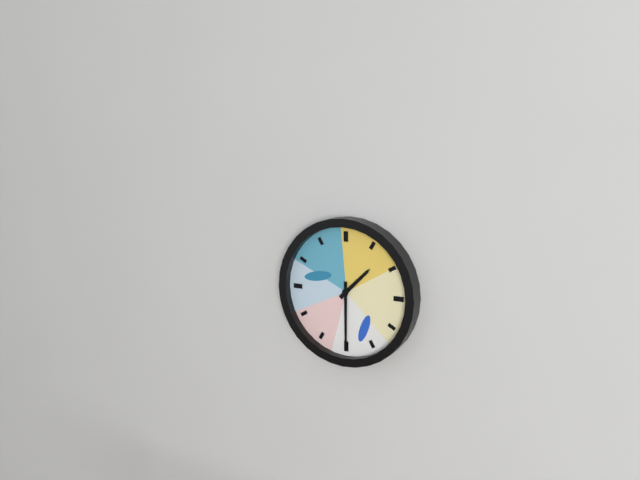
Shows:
1h30
